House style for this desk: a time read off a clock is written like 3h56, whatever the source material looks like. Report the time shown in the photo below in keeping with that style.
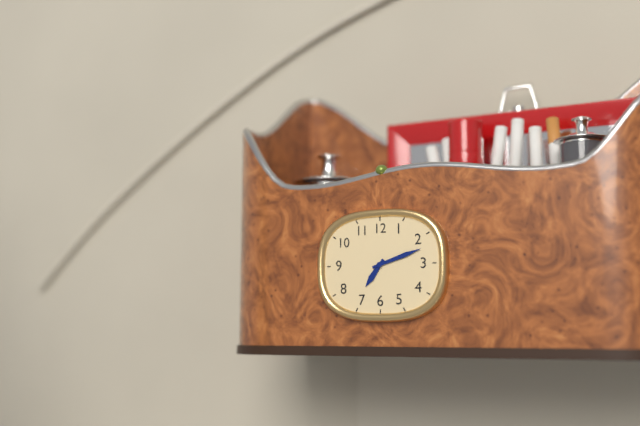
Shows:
7h12
